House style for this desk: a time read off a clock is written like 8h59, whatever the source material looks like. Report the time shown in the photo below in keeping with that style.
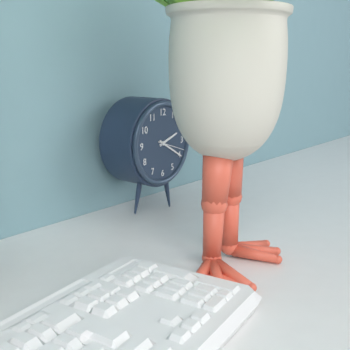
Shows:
2h20
